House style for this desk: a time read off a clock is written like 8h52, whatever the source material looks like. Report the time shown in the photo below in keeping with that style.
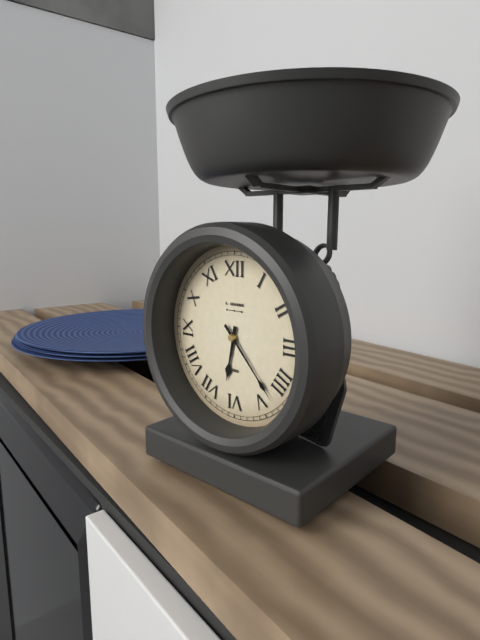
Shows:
6h23
